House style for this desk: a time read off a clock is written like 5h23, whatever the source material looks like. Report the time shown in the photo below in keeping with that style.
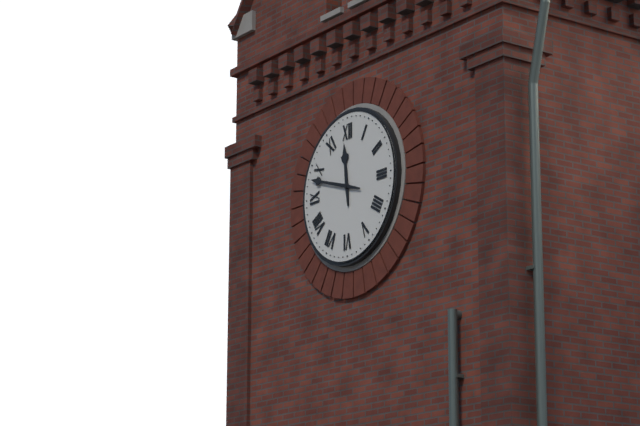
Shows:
11h48
